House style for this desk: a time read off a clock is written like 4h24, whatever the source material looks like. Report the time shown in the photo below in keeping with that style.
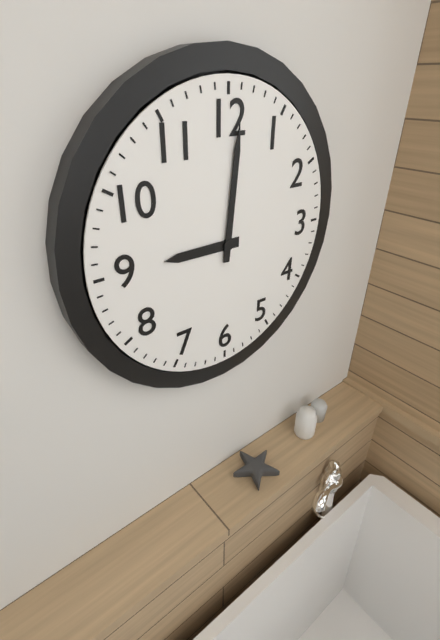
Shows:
9h01
